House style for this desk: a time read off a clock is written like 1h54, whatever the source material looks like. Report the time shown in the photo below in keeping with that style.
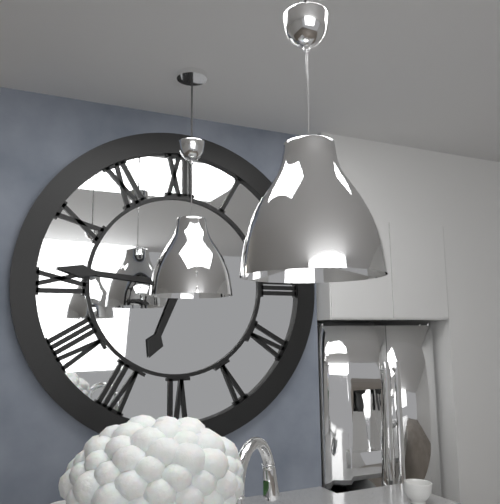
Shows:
6h46
